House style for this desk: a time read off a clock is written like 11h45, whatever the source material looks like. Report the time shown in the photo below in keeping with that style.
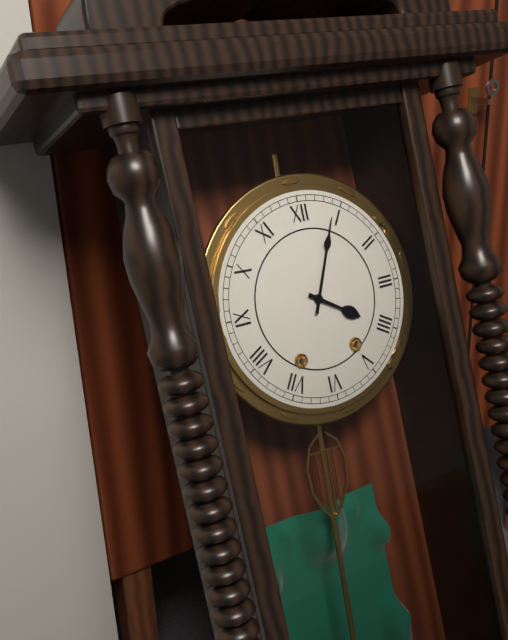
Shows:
4h04
